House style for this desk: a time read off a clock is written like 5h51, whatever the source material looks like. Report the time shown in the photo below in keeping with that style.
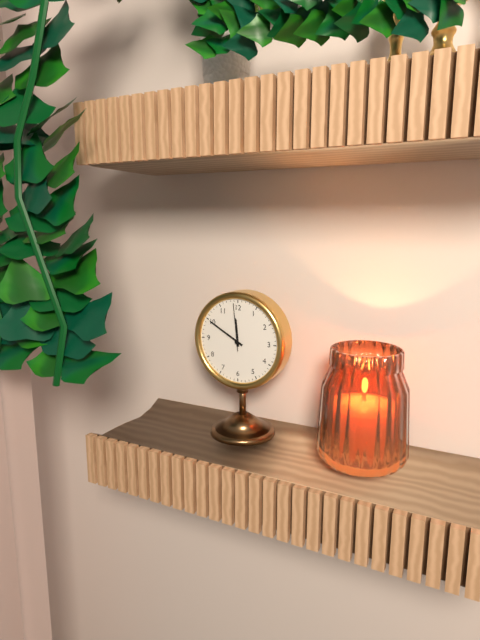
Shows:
11h50
